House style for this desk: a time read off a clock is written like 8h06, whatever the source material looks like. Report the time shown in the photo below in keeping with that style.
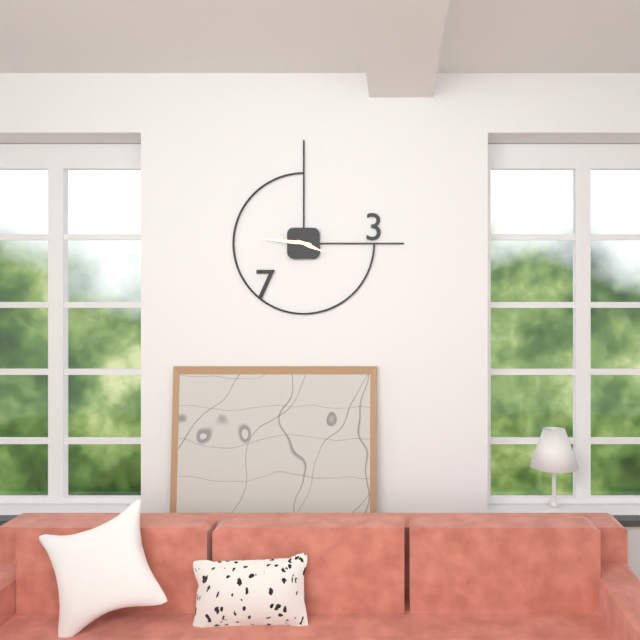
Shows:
3h46
